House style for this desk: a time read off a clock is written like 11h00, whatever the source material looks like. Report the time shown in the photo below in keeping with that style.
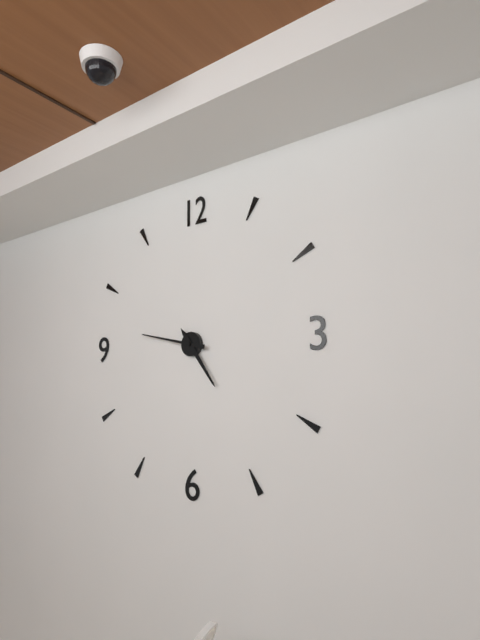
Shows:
4h47
